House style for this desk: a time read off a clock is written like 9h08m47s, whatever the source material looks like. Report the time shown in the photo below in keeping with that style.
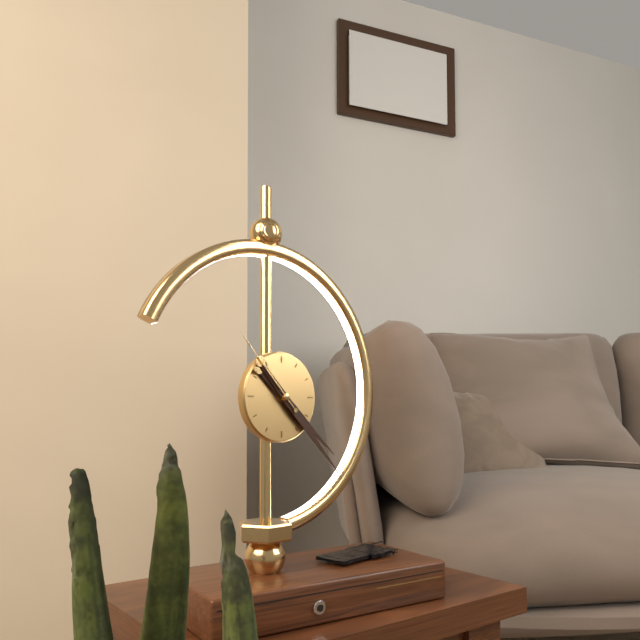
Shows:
4h23m53s
